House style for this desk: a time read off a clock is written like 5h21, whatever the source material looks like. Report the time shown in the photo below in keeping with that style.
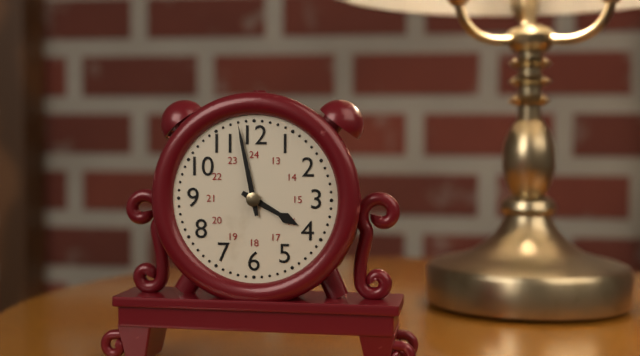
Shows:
3h58
